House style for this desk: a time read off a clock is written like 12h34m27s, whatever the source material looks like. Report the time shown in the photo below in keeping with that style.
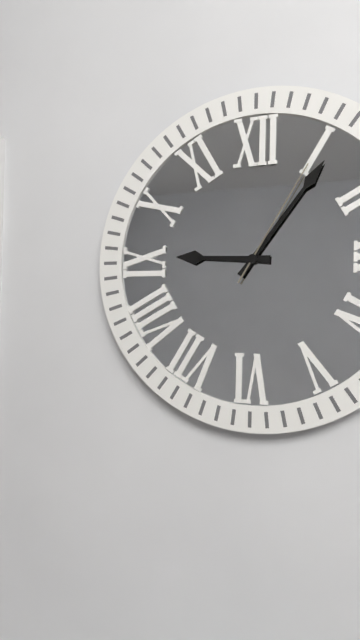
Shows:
9h06m05s
